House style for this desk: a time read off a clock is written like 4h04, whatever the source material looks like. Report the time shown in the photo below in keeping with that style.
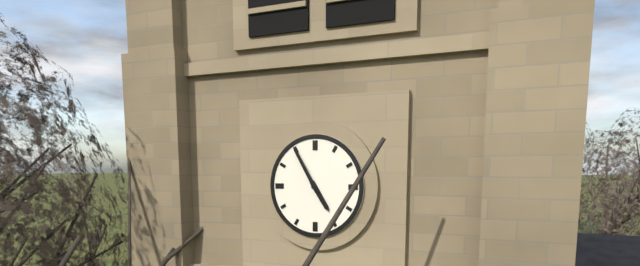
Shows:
4h55
